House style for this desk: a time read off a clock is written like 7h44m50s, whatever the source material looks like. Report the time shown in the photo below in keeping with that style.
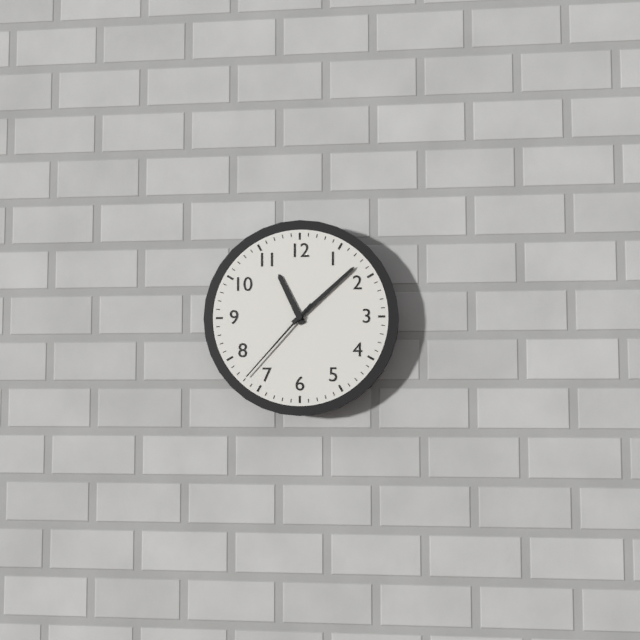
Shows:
11h08m37s
